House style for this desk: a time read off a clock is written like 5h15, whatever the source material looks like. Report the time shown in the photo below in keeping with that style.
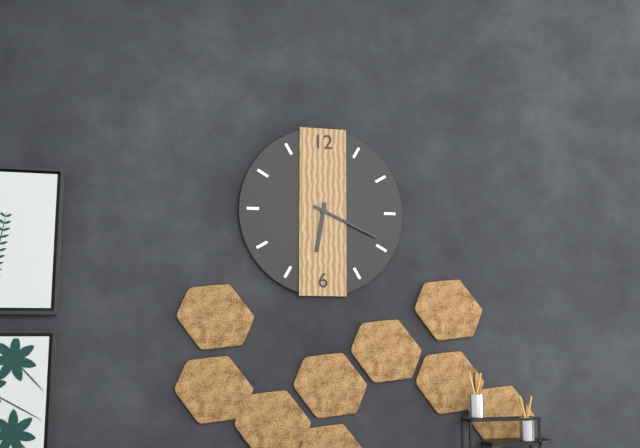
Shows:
6h19
